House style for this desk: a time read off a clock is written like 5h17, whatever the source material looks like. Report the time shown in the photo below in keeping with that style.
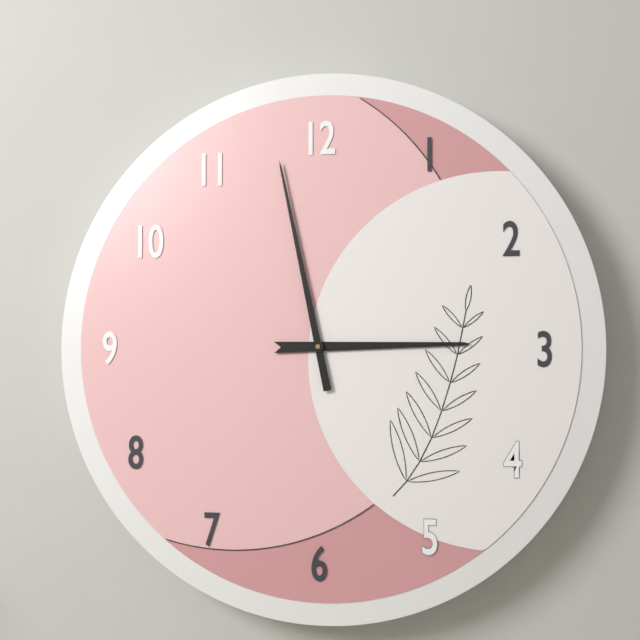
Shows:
2h58
